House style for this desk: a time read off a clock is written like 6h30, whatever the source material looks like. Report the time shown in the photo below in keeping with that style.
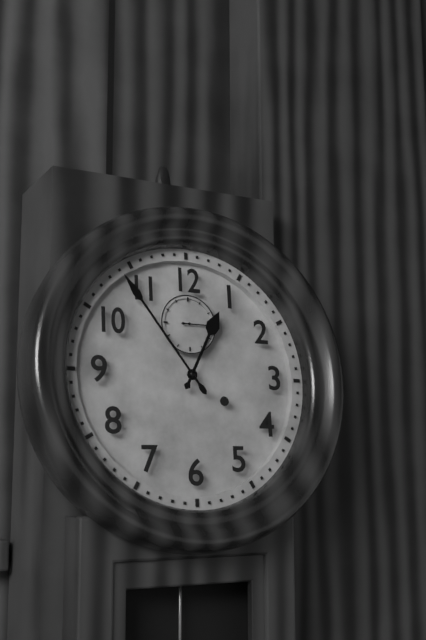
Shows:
12h54
